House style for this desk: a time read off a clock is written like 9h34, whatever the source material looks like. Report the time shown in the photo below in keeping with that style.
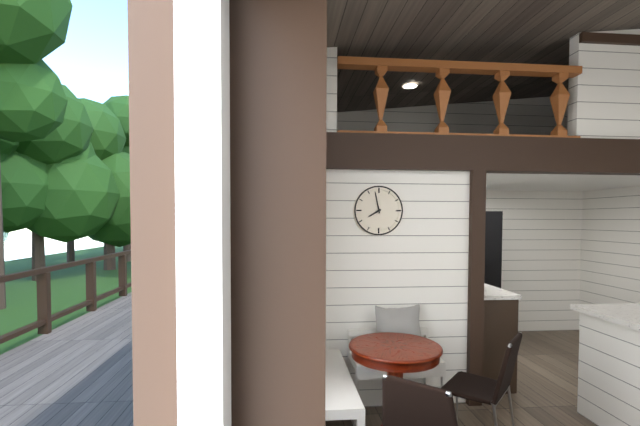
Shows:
7h58
